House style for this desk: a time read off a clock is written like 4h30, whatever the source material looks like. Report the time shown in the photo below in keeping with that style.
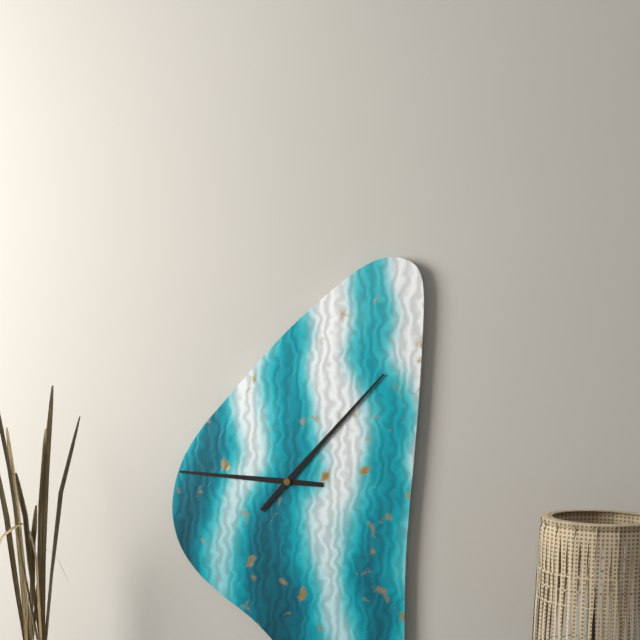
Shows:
9h07
